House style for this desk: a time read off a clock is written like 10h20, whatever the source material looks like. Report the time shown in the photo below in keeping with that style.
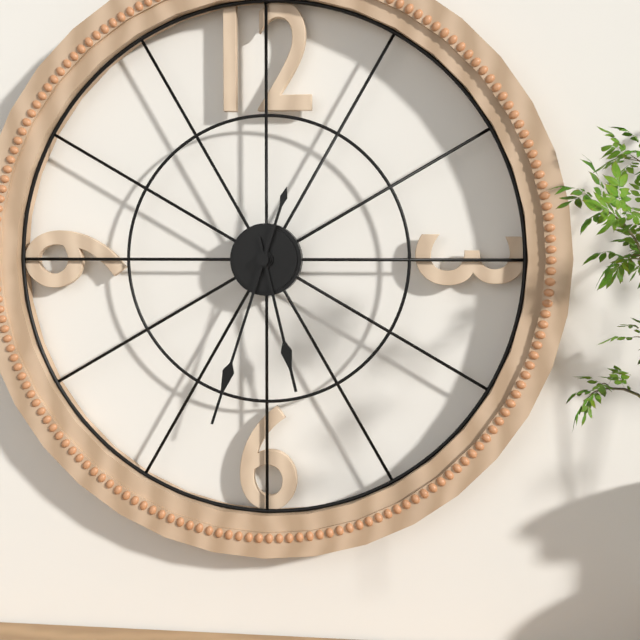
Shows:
5h33
